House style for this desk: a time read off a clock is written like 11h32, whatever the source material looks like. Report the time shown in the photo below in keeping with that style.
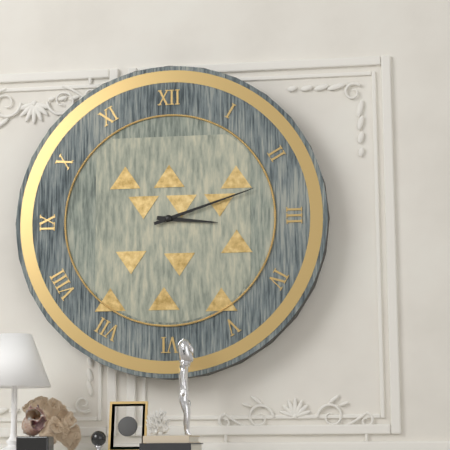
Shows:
3h12
